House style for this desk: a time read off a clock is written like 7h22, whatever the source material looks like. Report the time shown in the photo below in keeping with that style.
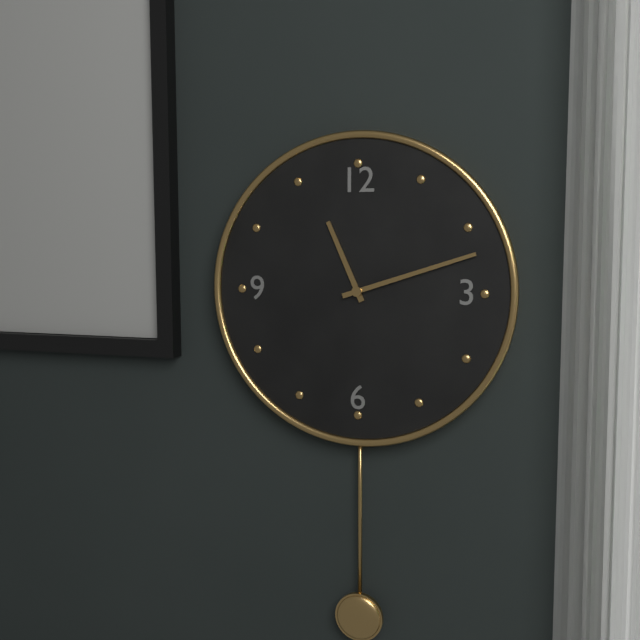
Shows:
11h12
